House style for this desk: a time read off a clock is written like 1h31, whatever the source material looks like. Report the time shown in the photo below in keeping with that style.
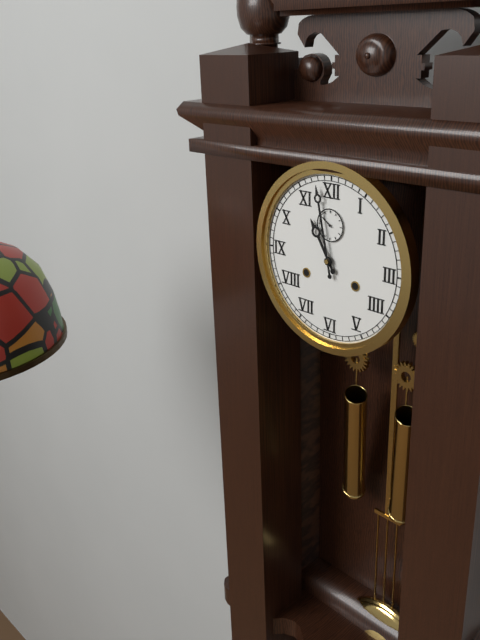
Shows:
10h58
